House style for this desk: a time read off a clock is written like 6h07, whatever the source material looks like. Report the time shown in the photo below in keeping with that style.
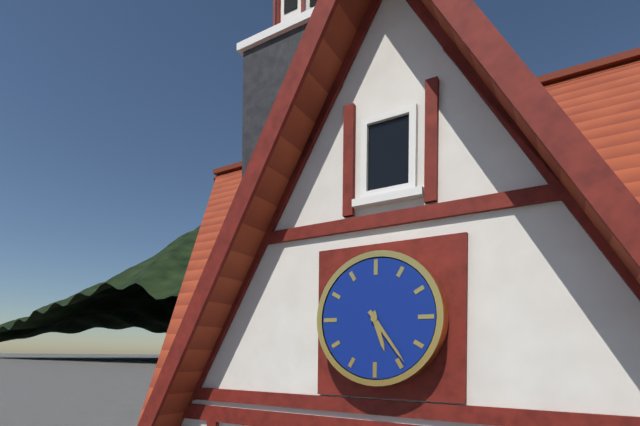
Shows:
5h24
